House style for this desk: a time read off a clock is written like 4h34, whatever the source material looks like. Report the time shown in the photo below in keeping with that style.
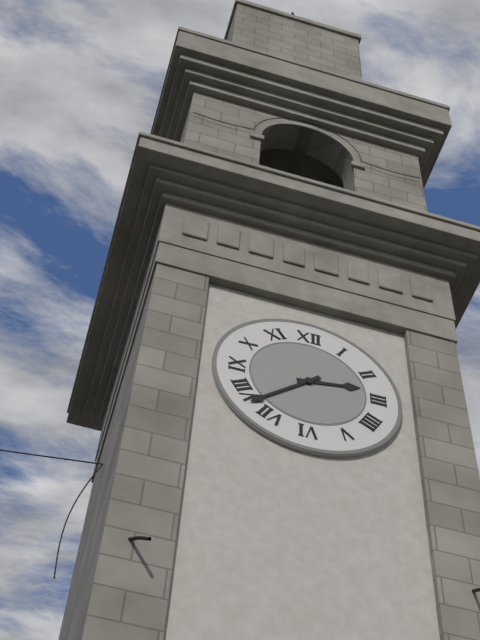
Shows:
2h38
